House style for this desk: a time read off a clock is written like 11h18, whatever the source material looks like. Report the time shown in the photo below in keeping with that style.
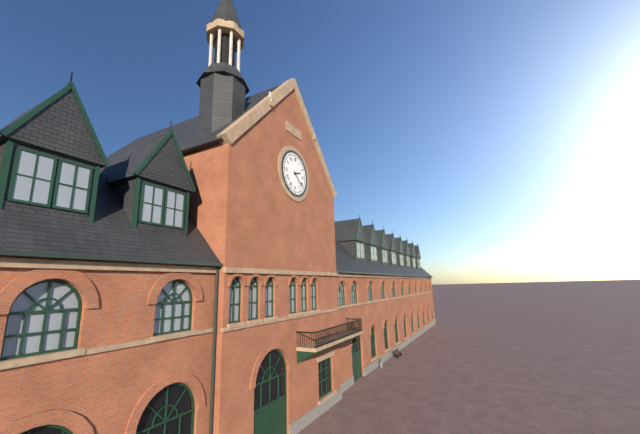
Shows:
2h22
